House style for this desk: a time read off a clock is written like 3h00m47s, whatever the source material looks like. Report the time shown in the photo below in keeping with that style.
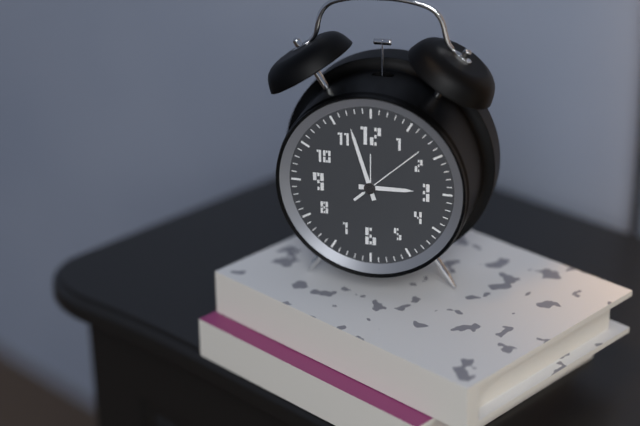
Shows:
2h57m08s
